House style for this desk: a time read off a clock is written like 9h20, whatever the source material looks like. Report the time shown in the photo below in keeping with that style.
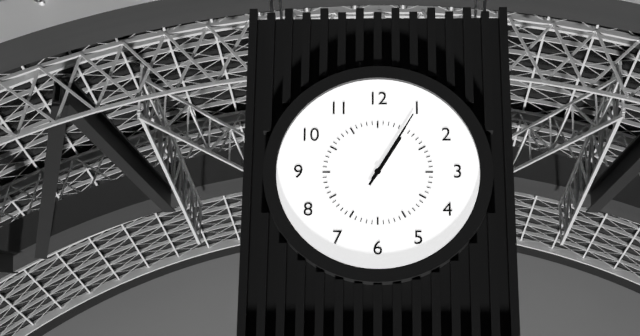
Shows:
1h05
